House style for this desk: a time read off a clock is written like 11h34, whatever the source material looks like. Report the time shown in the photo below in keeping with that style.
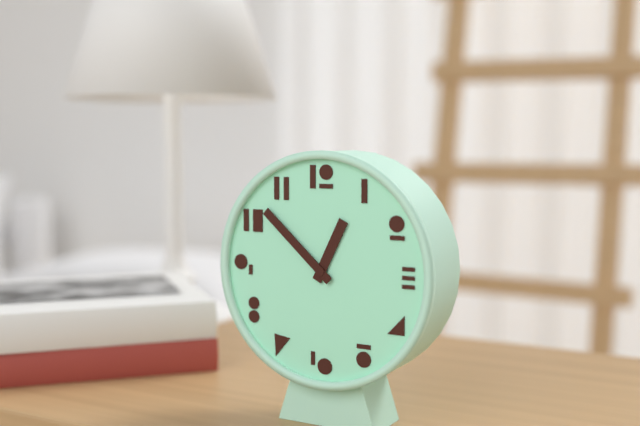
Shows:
12h52
